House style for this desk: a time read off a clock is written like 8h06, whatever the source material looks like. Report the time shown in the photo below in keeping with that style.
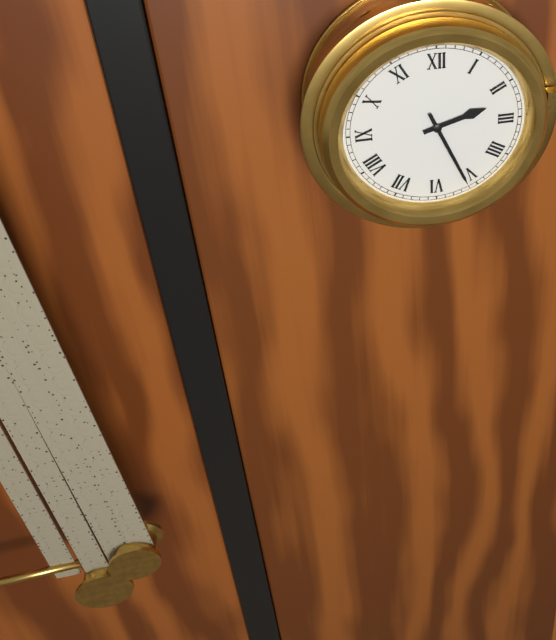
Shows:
2h26
